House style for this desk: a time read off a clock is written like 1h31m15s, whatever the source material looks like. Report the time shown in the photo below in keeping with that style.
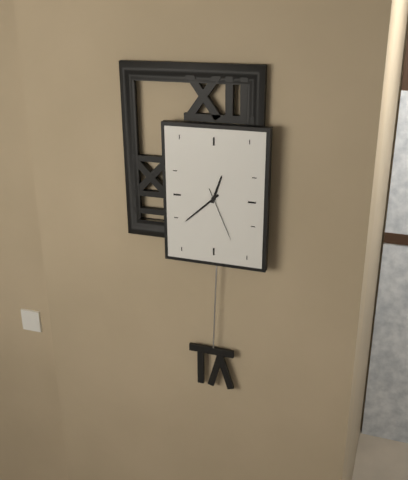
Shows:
12h38m26s
